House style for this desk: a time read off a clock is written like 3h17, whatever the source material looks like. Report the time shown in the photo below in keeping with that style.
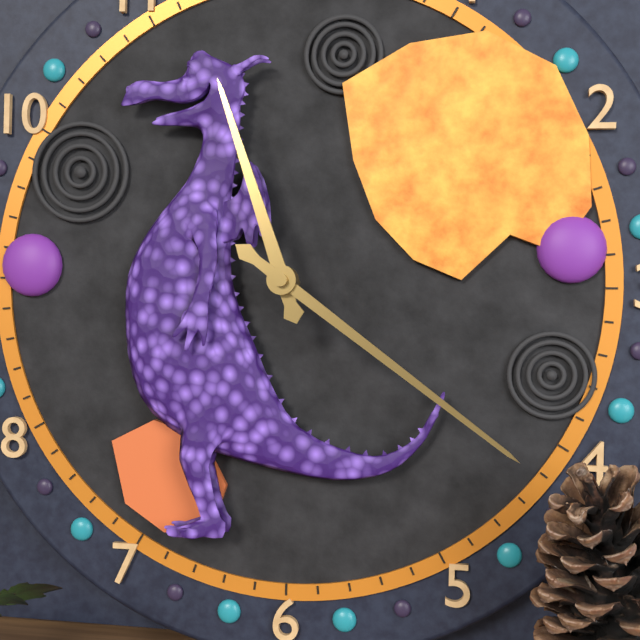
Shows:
11h21
